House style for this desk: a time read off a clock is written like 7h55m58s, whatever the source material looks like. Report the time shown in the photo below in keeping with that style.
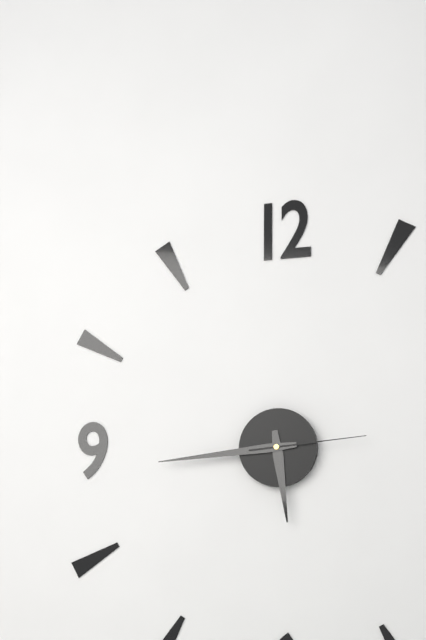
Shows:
5h44m14s
